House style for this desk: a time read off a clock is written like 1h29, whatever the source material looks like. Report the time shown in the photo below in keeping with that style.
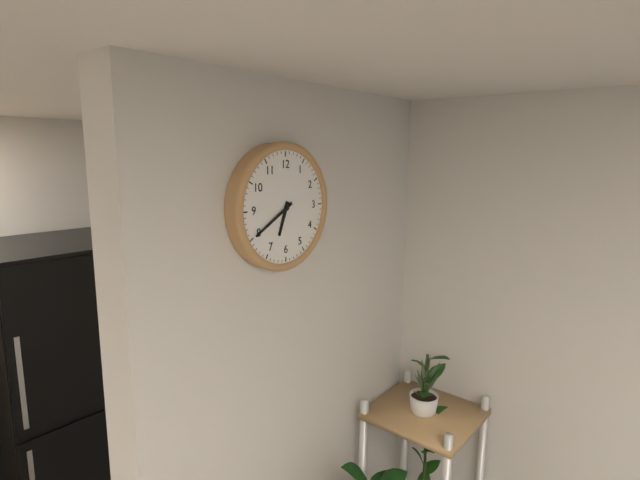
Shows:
6h40
